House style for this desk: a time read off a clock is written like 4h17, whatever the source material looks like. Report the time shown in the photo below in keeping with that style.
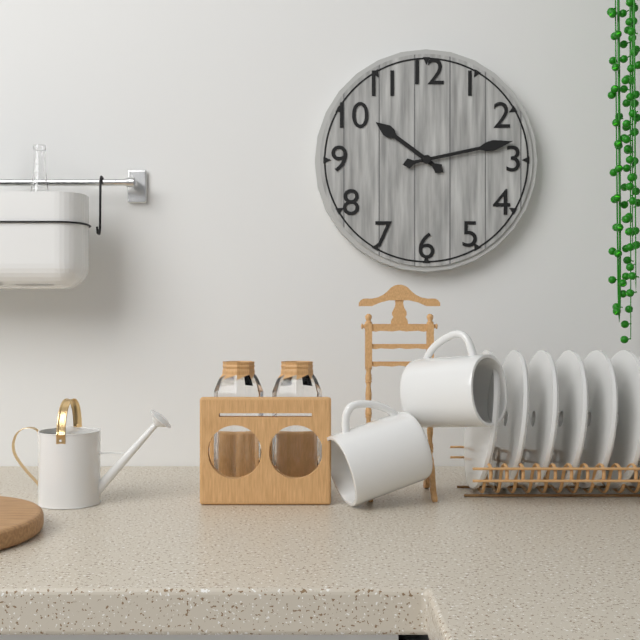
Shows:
10h13
